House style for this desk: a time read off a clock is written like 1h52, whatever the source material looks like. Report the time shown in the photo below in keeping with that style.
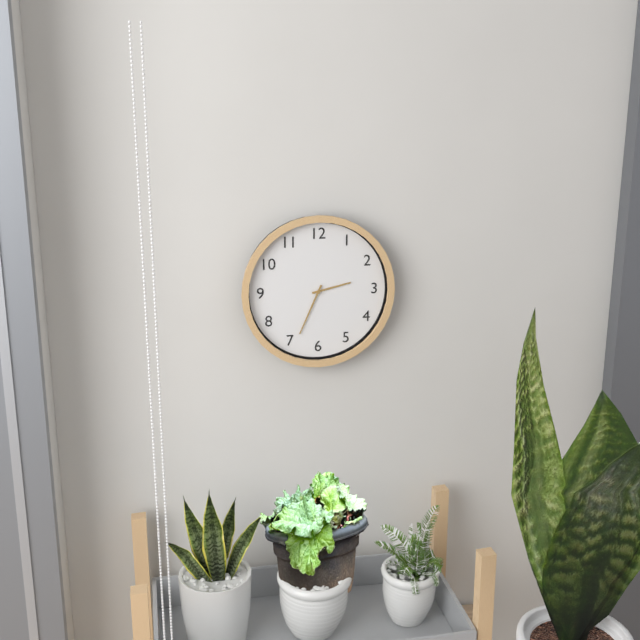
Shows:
2h34
